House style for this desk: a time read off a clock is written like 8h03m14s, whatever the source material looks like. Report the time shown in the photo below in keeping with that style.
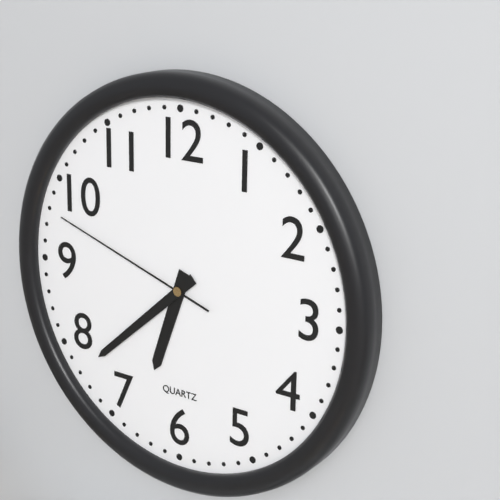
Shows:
6h38m48s
